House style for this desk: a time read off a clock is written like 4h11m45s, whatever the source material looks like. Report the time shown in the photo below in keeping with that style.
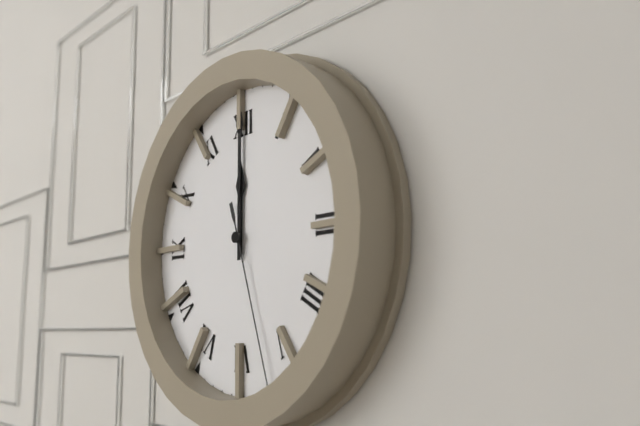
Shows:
12h00m27s
